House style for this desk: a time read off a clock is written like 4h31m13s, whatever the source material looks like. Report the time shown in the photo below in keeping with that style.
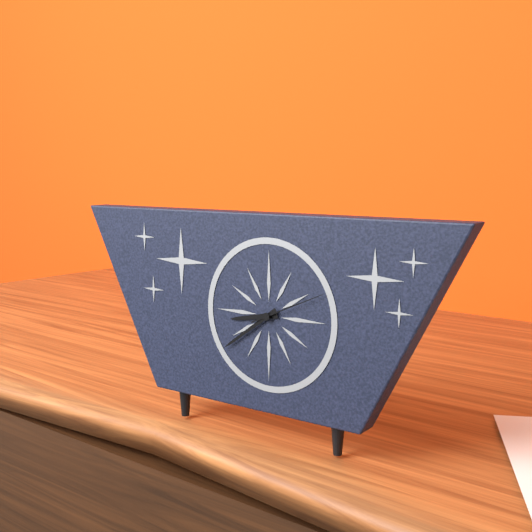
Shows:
8h39m11s
